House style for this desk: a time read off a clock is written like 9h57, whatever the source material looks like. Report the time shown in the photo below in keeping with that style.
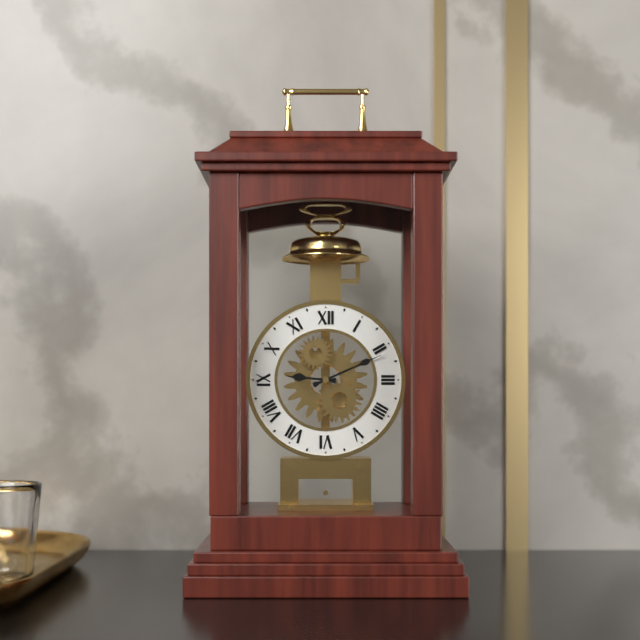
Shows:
9h11
